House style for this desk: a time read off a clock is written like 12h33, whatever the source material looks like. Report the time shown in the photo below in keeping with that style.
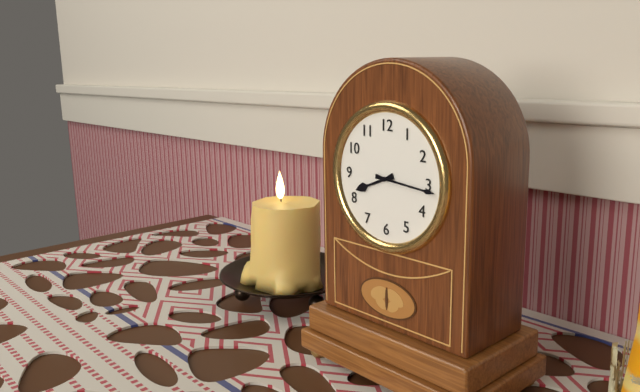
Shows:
8h16
